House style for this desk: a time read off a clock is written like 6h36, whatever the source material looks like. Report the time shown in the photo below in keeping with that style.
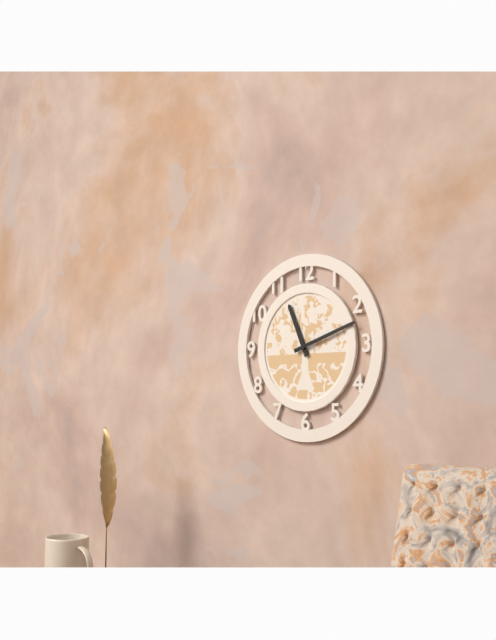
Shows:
11h12
